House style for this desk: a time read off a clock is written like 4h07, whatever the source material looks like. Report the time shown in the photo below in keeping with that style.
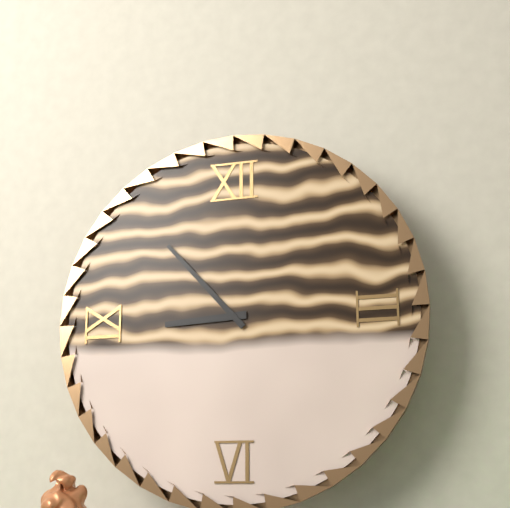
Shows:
8h53
